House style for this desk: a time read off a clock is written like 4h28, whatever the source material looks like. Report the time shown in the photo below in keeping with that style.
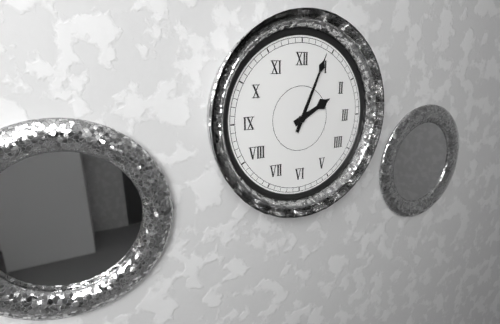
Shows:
2h04
